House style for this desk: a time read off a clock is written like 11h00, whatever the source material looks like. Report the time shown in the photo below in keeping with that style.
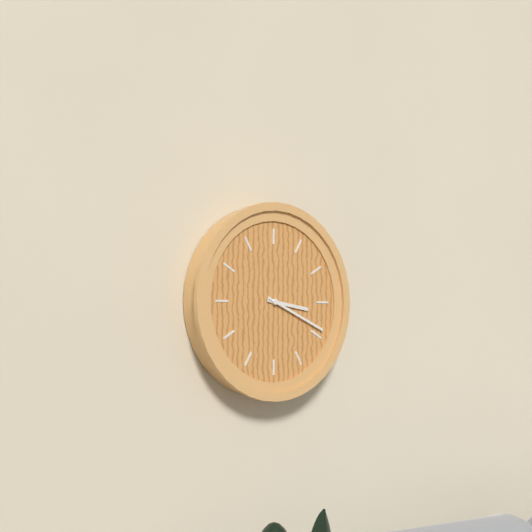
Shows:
3h19
